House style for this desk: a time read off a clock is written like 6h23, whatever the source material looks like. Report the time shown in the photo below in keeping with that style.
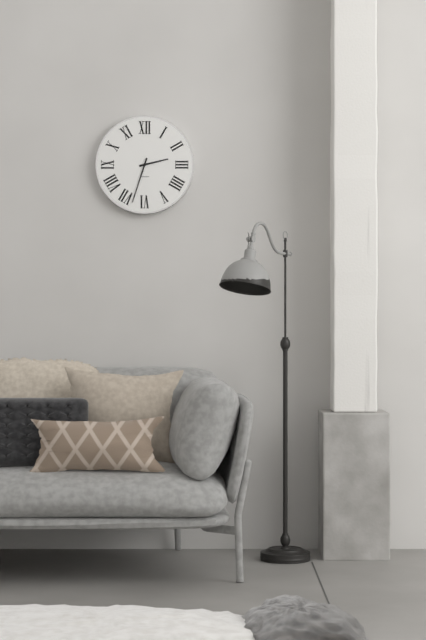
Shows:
2h33
